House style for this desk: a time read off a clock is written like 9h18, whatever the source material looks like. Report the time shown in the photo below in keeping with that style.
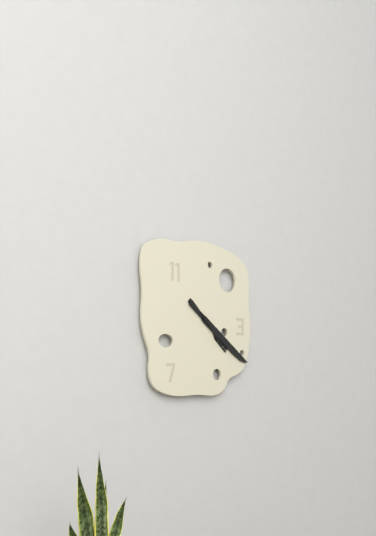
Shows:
4h21
